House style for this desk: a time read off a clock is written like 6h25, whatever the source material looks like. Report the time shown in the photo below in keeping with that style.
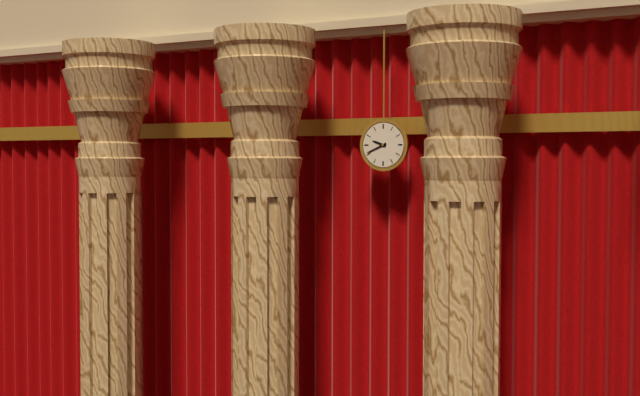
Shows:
9h41
